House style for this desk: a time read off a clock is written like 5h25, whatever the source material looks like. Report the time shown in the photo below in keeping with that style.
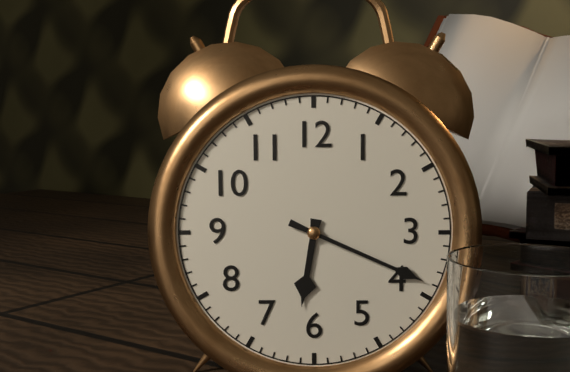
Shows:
6h19
